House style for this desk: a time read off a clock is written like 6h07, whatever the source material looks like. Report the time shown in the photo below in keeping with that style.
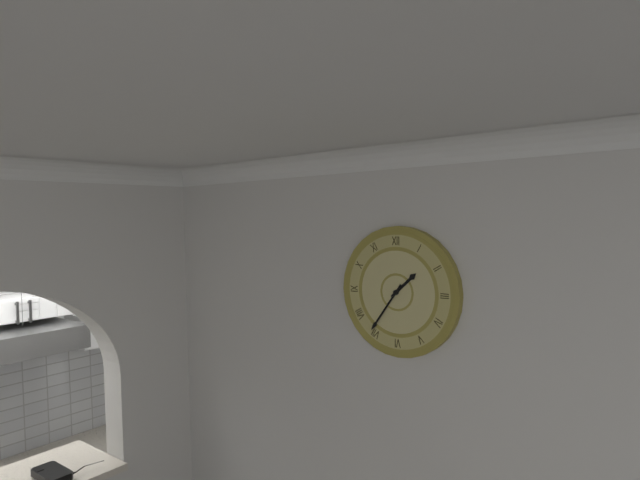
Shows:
1h36
